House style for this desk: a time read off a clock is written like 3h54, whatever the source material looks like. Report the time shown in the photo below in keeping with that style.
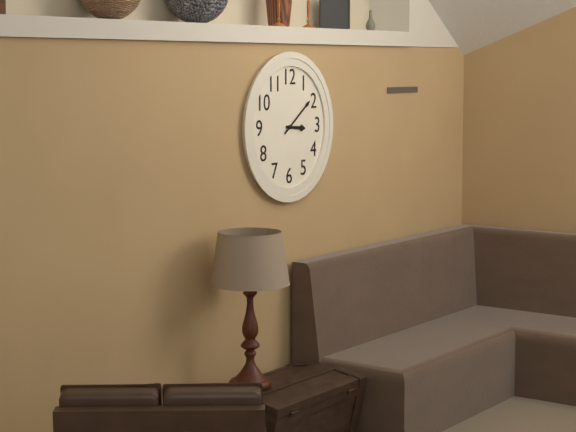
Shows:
3h09
